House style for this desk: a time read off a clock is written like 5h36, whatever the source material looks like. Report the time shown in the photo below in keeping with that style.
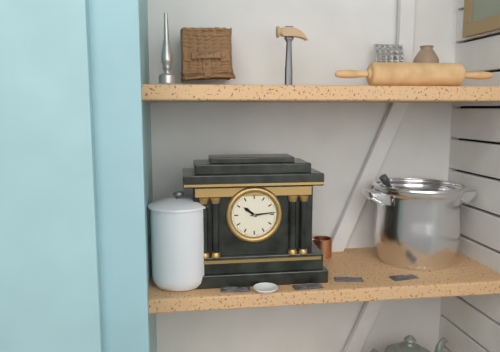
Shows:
10h14
